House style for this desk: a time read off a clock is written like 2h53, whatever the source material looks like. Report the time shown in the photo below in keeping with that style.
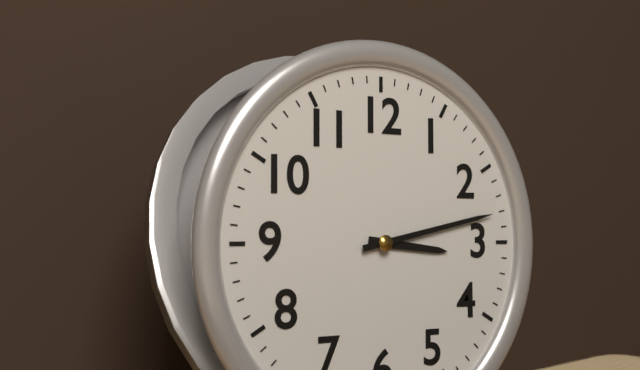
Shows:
3h13
